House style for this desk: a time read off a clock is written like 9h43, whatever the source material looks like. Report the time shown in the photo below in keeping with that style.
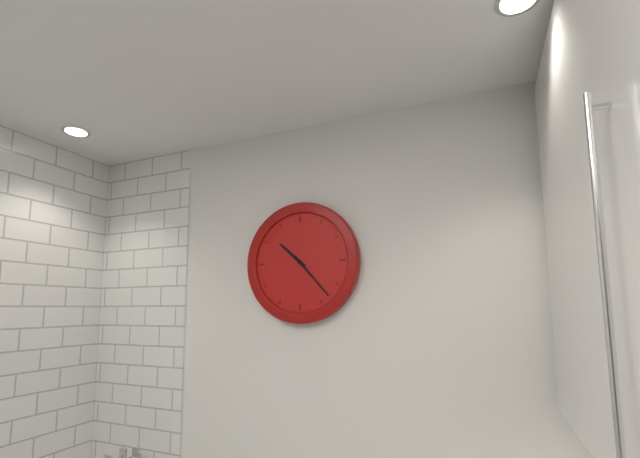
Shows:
10h23
